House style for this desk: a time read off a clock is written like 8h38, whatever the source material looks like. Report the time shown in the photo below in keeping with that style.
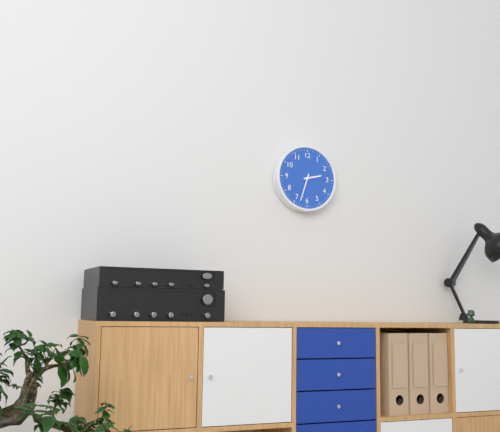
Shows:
2h33
